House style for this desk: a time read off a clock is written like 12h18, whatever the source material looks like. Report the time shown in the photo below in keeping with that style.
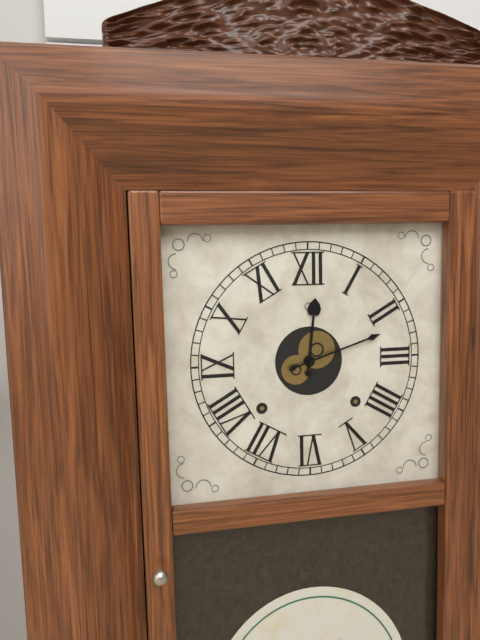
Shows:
12h12
